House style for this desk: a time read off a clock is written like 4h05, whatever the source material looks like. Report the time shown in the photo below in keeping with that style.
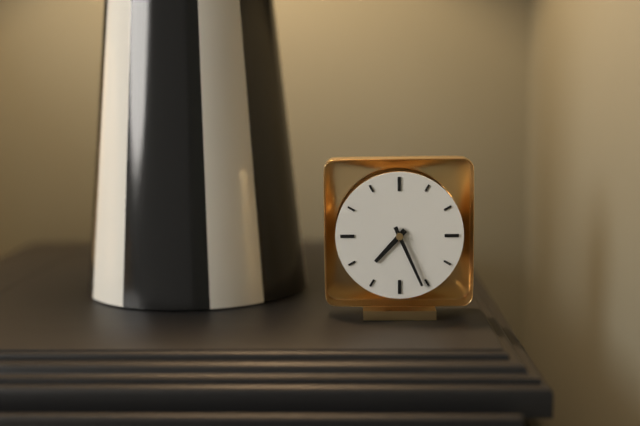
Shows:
7h26
